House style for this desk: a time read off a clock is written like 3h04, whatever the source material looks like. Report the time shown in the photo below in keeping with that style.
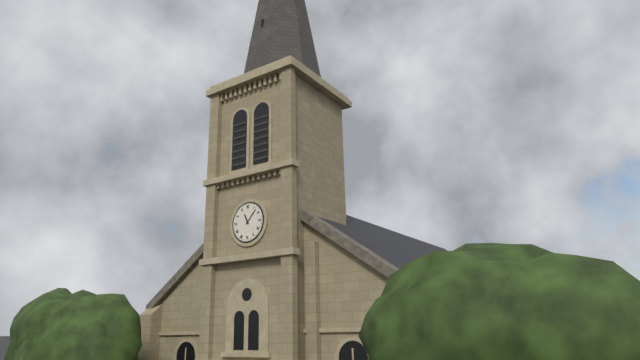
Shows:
11h07
